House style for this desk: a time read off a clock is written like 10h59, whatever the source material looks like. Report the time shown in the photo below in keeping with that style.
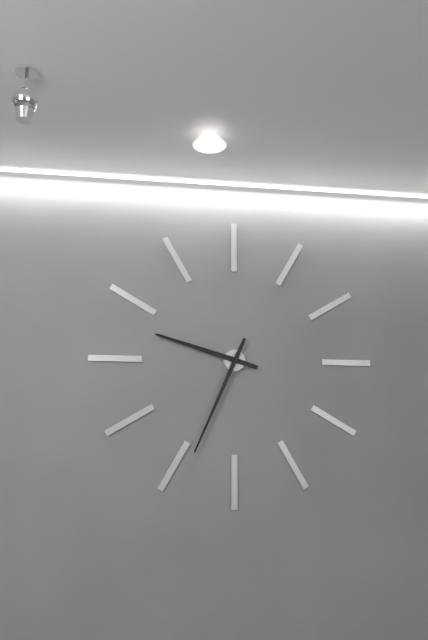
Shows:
9h34
